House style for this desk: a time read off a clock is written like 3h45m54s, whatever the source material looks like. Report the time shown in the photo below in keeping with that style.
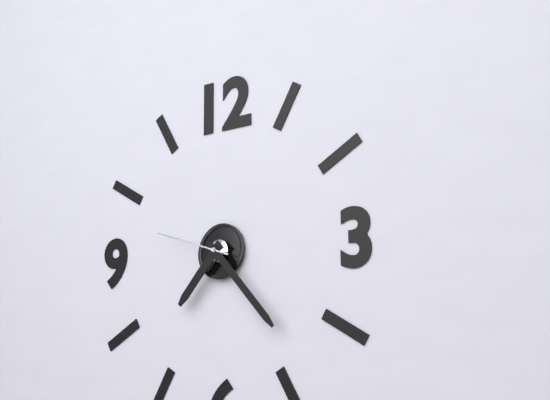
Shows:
7h23m48s
